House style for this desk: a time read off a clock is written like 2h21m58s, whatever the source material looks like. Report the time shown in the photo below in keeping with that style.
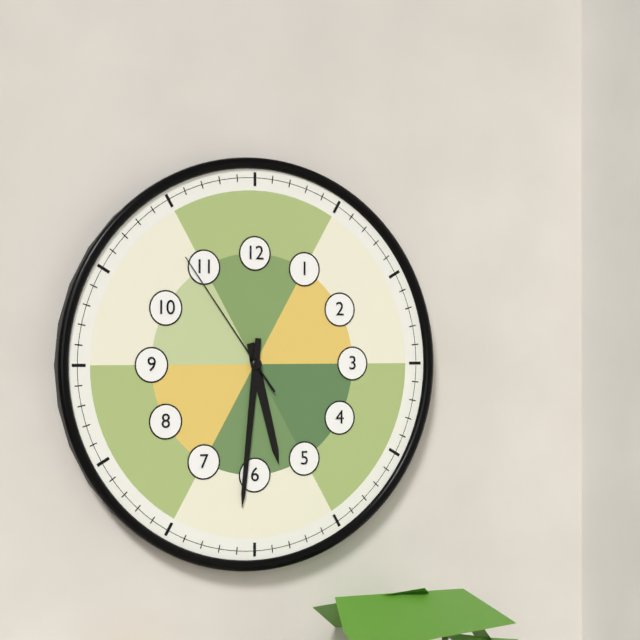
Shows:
5h31m54s
